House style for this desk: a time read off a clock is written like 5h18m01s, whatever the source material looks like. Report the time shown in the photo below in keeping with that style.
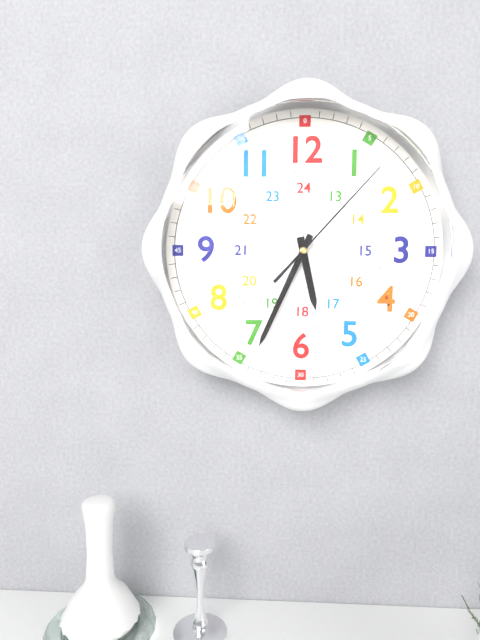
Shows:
5h34m07s
